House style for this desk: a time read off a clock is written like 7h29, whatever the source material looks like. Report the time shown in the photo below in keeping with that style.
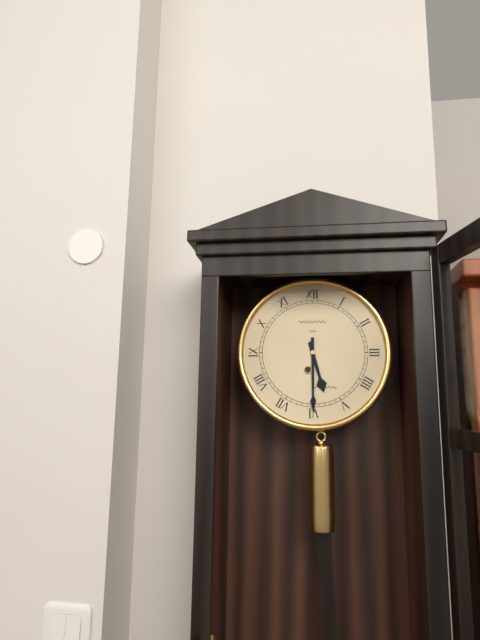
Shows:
5h30
